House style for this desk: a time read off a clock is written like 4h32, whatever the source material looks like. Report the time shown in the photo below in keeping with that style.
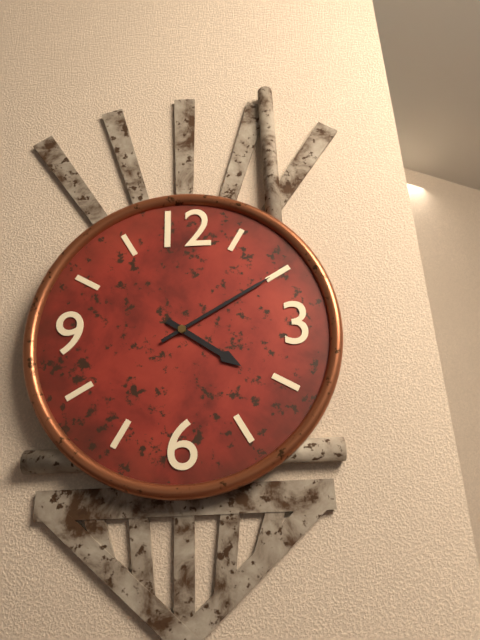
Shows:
4h10
